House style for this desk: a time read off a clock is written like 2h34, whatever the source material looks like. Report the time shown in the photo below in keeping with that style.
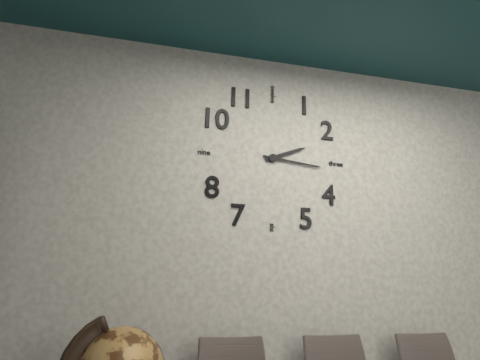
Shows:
2h16
